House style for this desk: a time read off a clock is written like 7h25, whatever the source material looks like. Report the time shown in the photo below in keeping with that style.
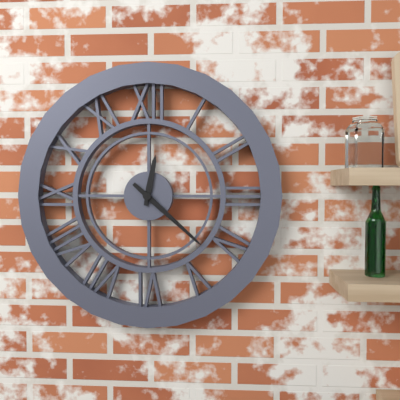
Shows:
12h22
